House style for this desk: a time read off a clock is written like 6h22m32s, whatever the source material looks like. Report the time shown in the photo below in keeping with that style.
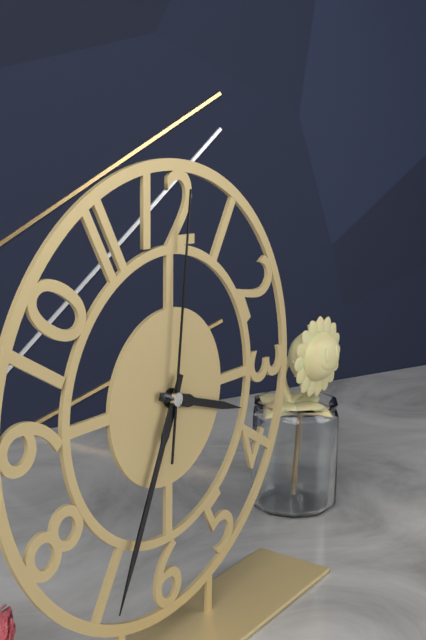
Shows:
3h34m01s
